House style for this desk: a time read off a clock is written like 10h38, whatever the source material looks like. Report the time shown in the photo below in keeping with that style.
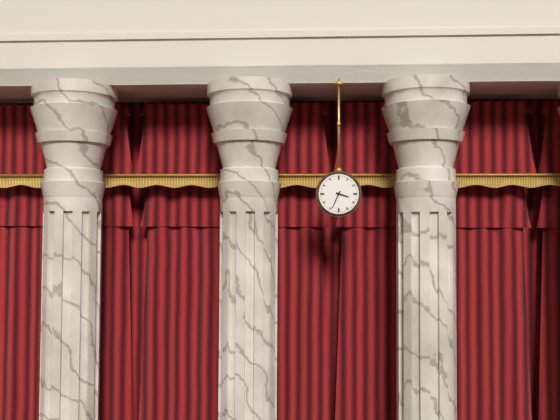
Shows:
3h34
